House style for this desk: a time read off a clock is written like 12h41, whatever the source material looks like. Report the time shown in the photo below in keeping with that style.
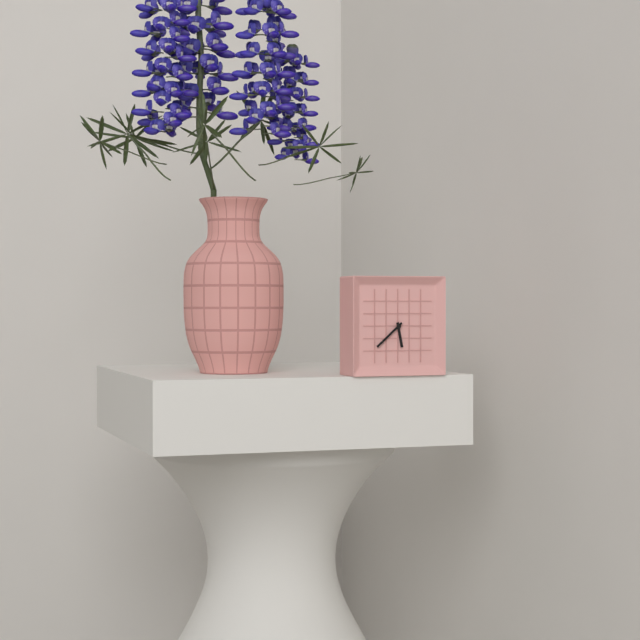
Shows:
5h38
